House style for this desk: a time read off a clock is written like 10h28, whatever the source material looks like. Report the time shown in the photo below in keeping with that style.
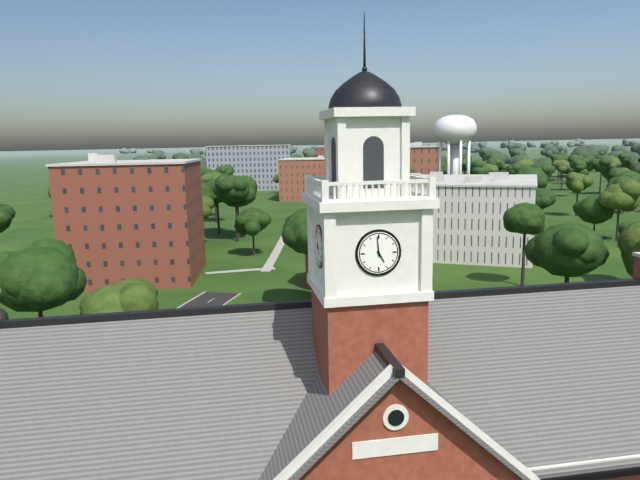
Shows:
4h59
